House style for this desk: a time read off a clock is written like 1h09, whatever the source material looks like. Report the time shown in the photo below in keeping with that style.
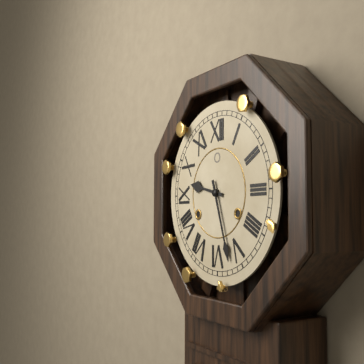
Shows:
9h27
